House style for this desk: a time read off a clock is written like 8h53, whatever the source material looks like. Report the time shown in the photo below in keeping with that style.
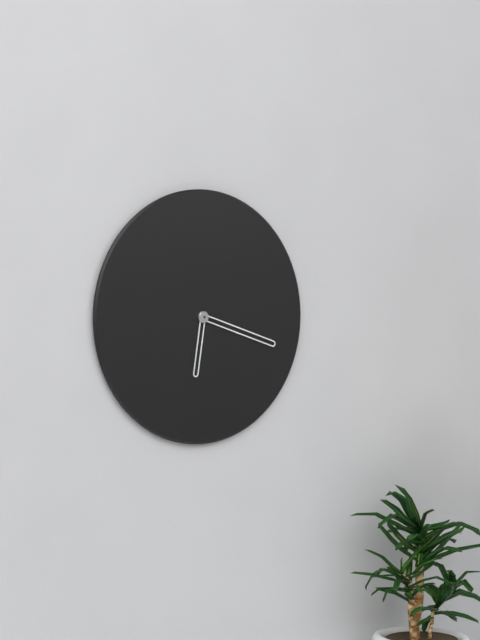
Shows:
6h18
